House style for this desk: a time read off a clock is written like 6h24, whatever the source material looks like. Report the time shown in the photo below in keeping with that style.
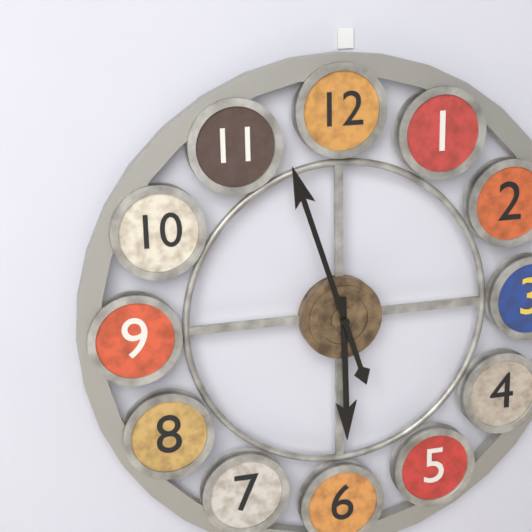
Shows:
5h57
